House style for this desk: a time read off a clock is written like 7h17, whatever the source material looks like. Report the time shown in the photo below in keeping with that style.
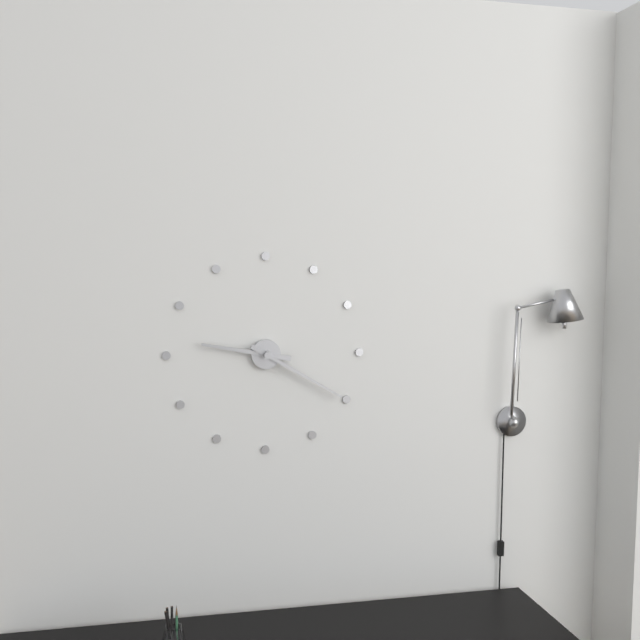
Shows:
9h20
